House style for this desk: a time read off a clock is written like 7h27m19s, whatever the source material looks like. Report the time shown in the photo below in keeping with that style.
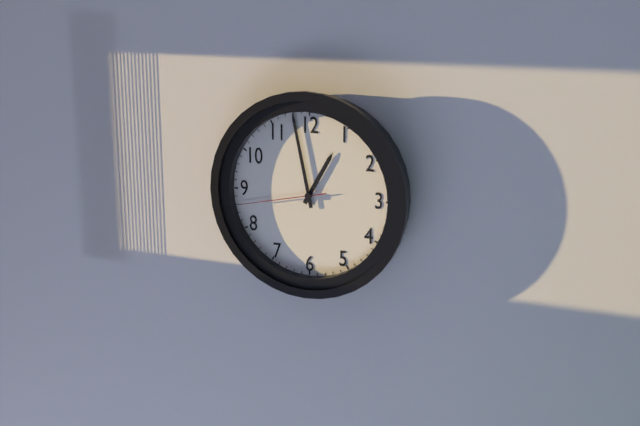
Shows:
12h58m43s
